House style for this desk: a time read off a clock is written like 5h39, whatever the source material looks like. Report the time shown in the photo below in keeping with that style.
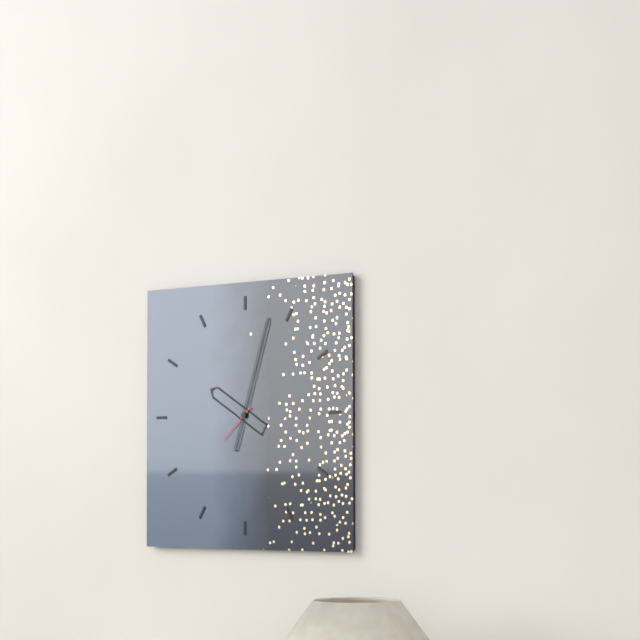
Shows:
10h03
